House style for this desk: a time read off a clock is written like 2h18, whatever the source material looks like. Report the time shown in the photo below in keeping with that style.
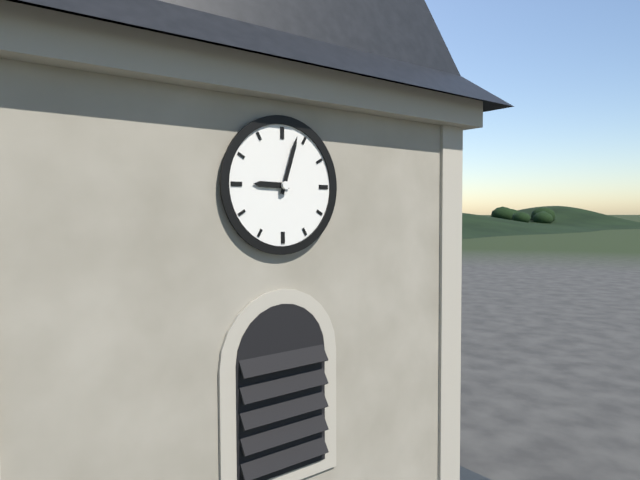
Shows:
9h03
